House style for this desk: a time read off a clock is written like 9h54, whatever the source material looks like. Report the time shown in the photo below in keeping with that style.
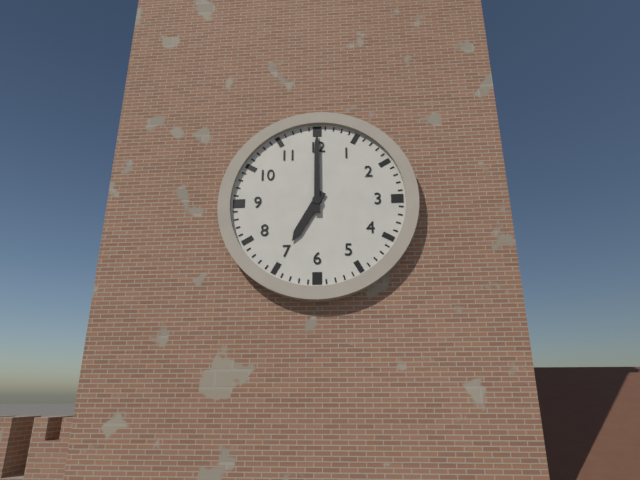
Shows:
7h00
